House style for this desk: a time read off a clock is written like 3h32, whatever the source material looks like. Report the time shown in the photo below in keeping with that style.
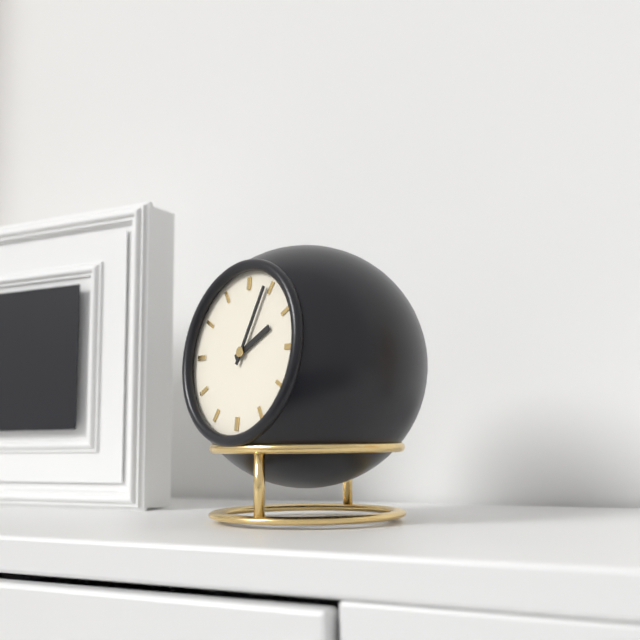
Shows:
2h04
